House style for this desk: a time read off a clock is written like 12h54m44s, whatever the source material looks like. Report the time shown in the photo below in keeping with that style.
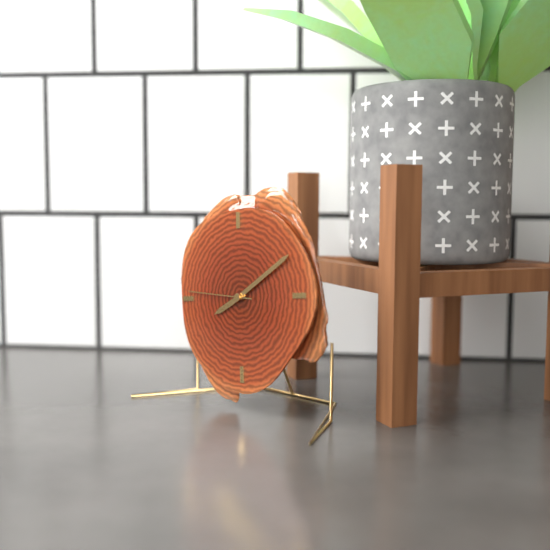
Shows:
8h10m46s
